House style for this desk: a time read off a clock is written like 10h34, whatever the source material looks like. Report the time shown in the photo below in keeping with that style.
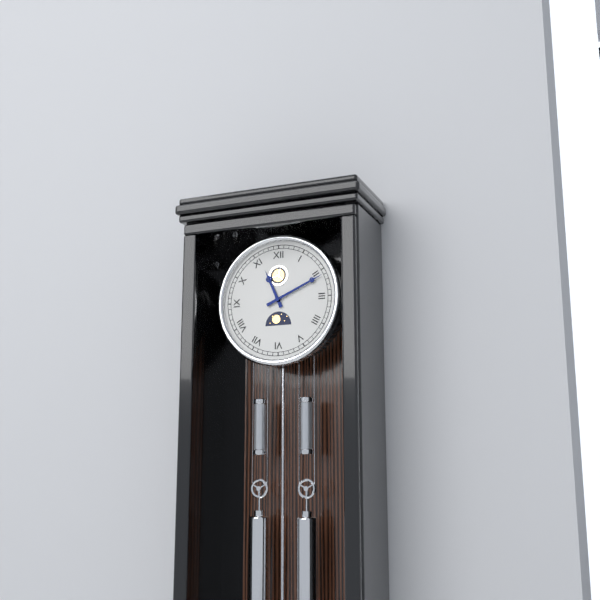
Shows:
11h11
